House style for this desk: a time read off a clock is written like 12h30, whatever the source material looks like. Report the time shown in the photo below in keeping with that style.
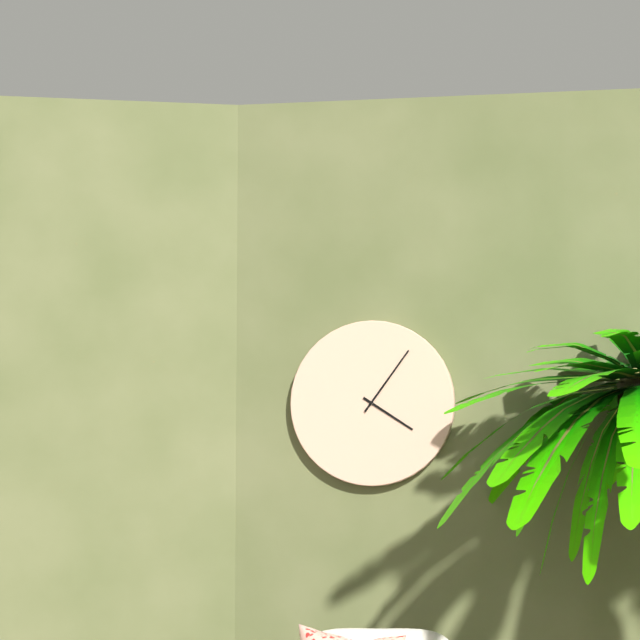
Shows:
4h06
